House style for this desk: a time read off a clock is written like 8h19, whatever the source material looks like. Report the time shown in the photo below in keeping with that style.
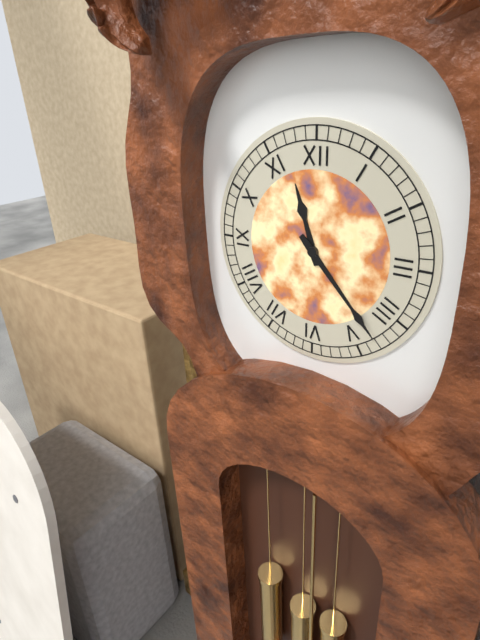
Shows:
11h23
